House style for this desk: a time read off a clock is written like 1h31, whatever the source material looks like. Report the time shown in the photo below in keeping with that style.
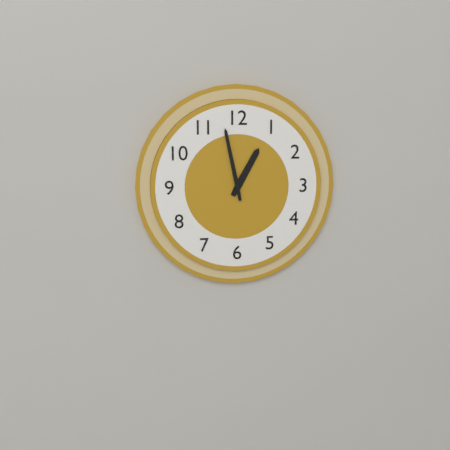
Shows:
12h58
